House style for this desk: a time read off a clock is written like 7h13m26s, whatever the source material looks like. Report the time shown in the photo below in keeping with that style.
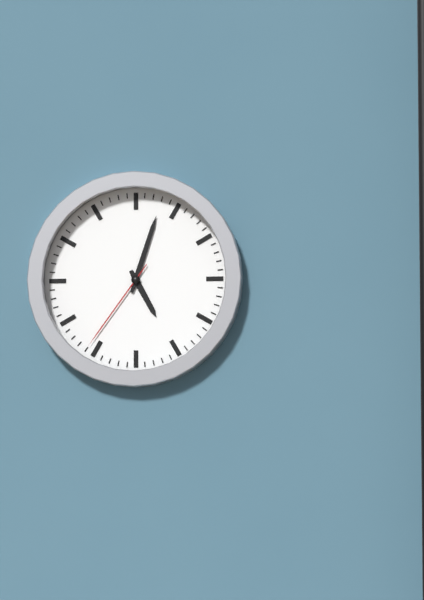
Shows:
5h03m36s
